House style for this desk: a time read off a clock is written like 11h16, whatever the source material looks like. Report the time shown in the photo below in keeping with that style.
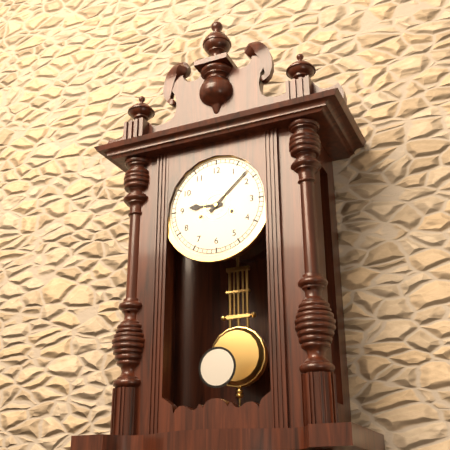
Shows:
9h08
